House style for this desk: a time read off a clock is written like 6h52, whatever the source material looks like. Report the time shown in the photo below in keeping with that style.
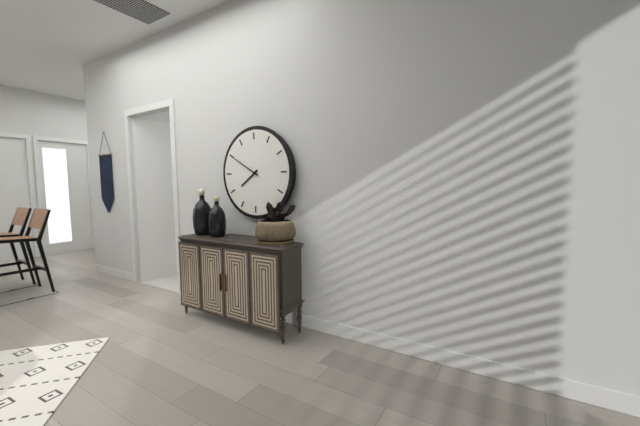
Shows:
7h50
